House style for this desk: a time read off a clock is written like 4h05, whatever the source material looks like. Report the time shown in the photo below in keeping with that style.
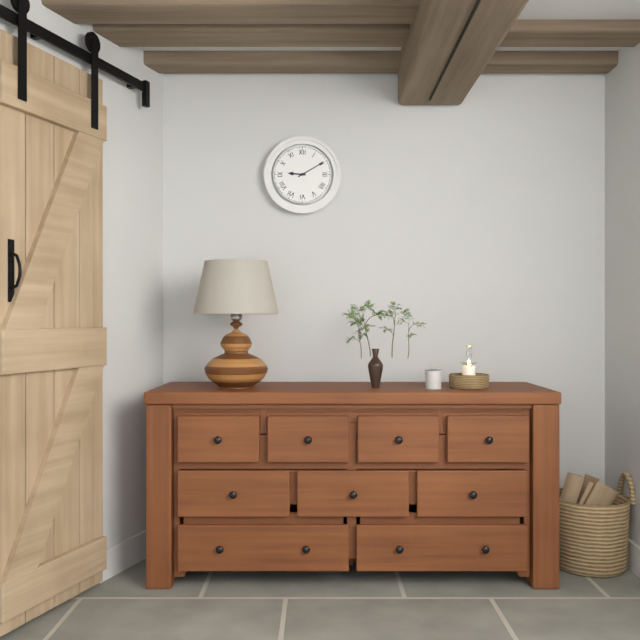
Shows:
9h10
